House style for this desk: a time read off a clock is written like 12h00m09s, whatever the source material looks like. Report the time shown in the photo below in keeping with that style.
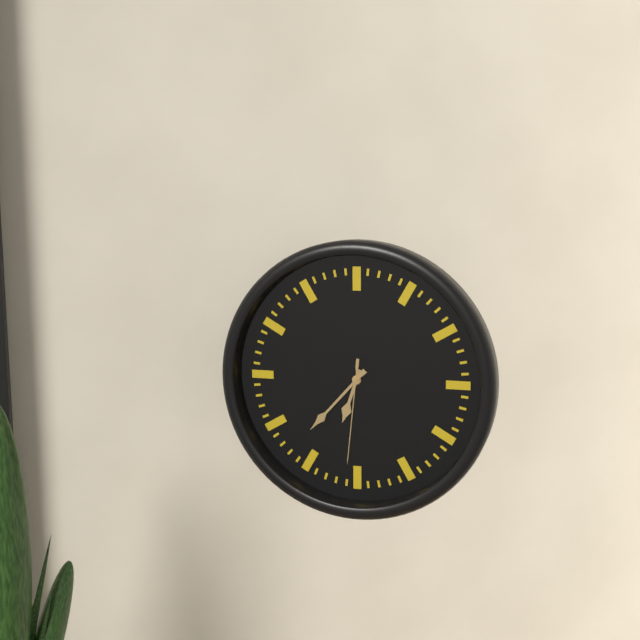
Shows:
6h37m31s
